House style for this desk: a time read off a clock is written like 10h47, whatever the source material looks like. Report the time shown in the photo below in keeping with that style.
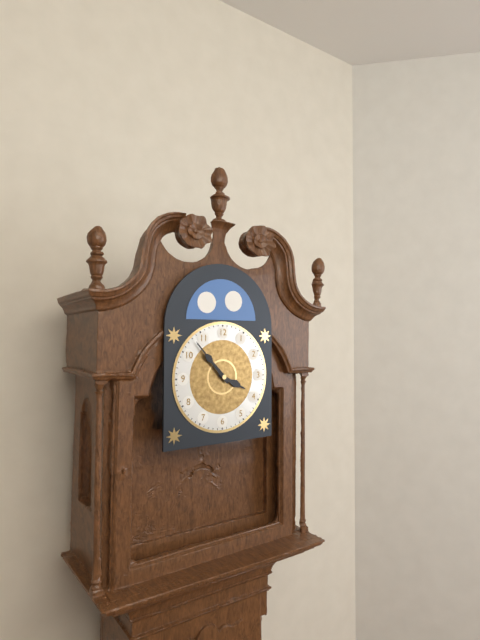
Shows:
3h53
